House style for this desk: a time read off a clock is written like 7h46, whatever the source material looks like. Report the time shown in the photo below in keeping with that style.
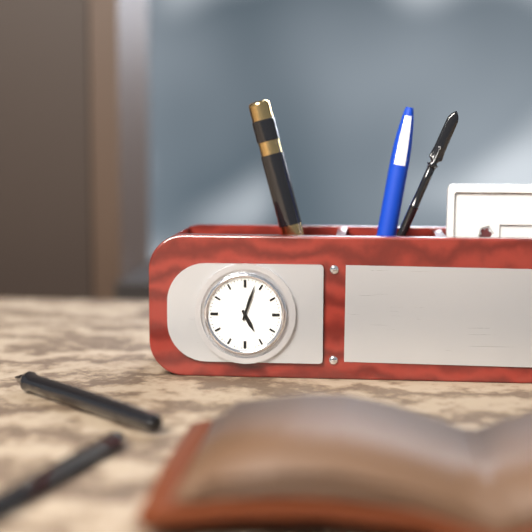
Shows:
5h03
